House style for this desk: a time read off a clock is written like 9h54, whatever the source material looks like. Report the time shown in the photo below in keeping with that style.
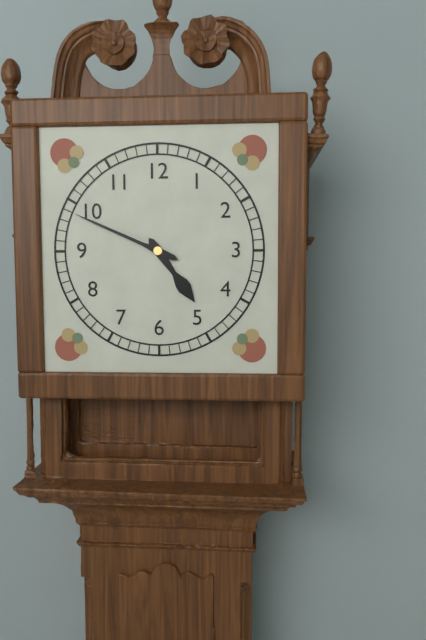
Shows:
4h49
